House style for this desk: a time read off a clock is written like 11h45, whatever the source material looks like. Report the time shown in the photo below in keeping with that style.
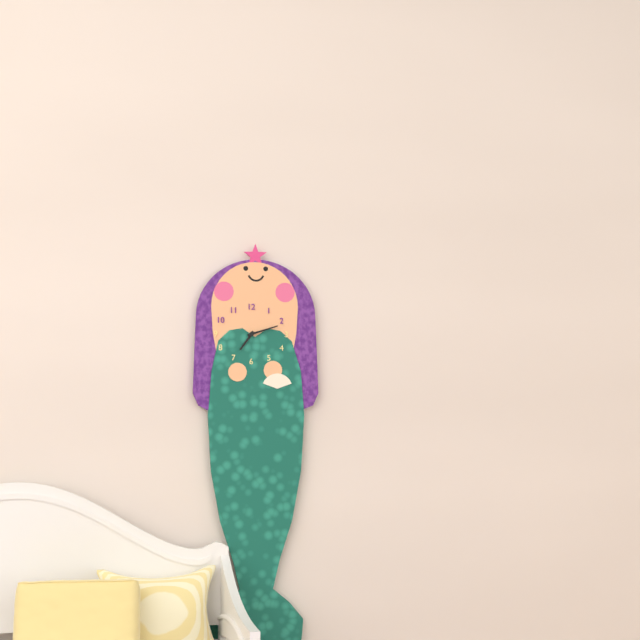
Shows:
7h12
